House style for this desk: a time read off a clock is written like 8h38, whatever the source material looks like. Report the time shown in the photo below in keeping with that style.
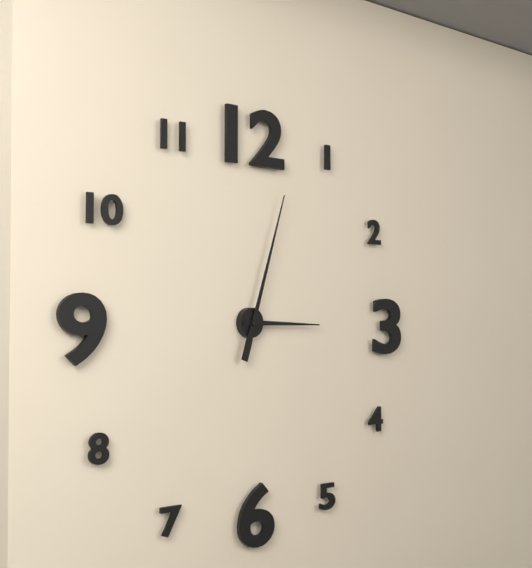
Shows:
3h03
